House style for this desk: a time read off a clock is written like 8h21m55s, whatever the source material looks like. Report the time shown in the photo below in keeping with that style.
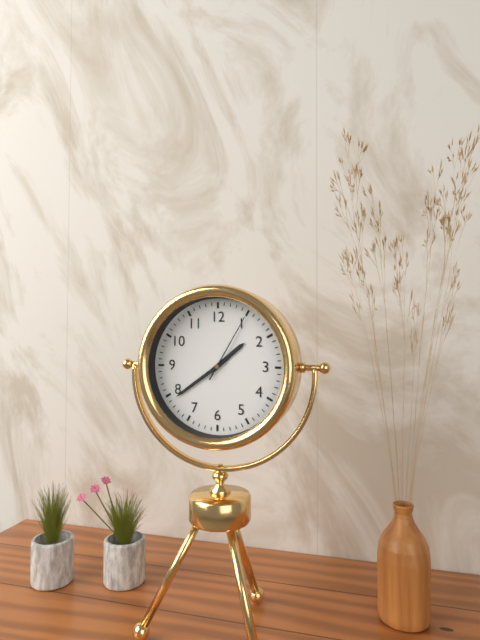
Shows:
1h39m05s
